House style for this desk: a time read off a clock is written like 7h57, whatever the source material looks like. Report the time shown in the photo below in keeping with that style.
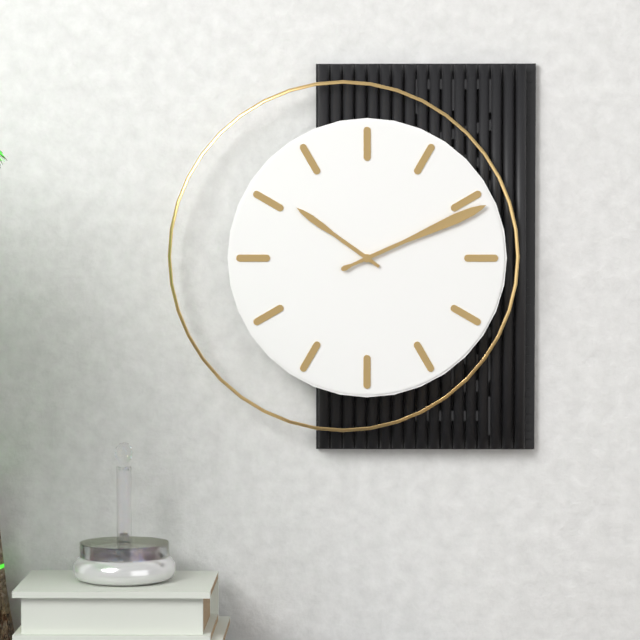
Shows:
10h11
